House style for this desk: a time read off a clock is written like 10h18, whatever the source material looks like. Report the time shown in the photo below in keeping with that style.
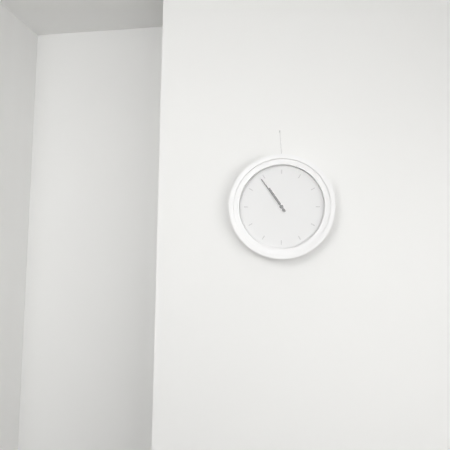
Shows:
10h54
